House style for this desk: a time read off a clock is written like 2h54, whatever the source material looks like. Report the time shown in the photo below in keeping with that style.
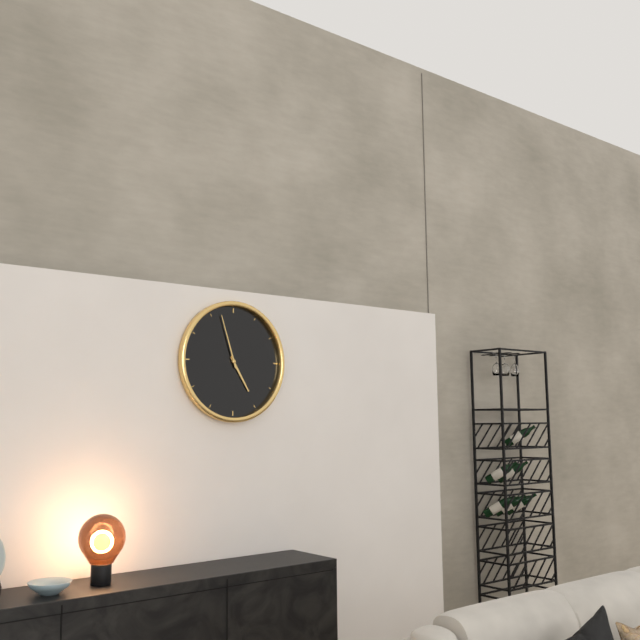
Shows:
4h57
